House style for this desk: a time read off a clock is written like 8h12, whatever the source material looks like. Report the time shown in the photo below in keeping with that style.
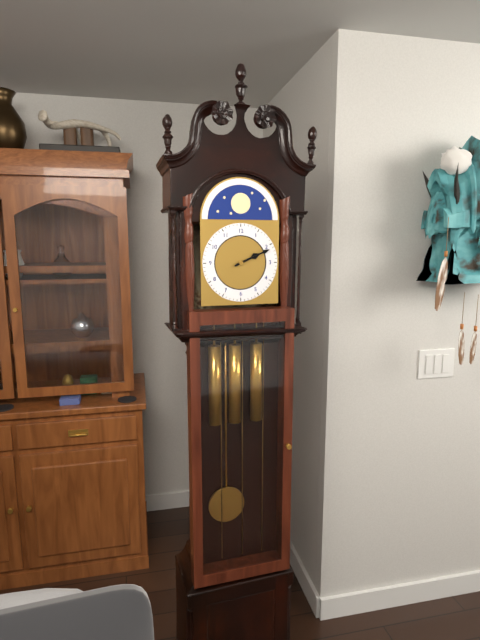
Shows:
2h11
